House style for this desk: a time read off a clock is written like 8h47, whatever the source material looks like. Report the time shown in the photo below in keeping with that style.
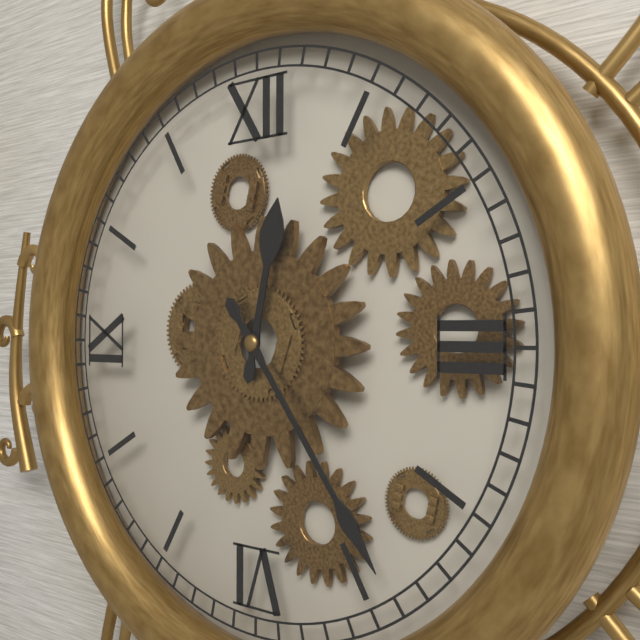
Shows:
12h24
